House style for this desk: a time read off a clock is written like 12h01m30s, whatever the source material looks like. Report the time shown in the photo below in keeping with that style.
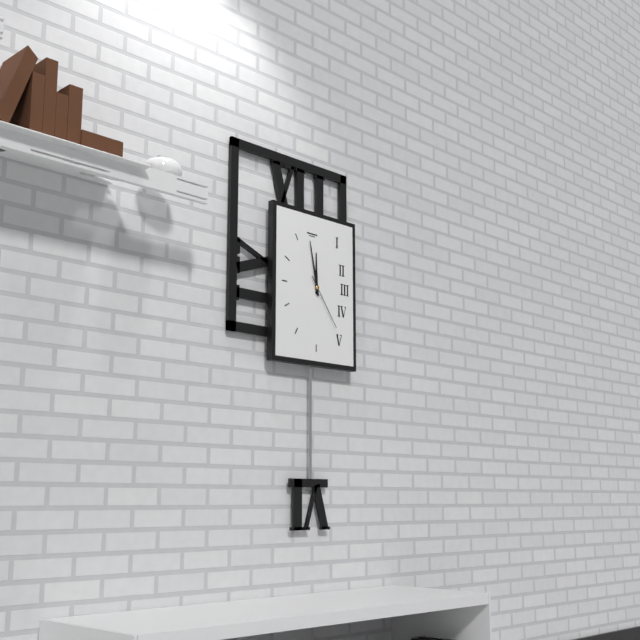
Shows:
11h58m24s
